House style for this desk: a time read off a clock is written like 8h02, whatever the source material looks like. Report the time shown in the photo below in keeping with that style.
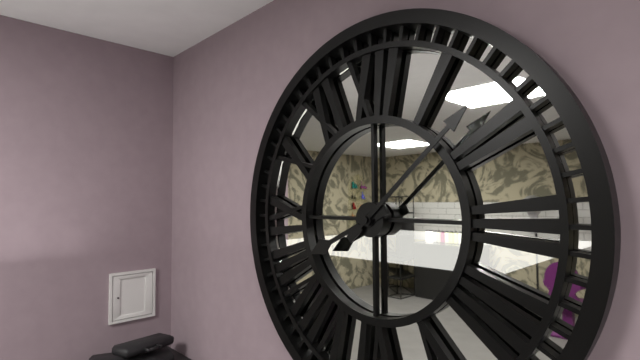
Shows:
8h08
